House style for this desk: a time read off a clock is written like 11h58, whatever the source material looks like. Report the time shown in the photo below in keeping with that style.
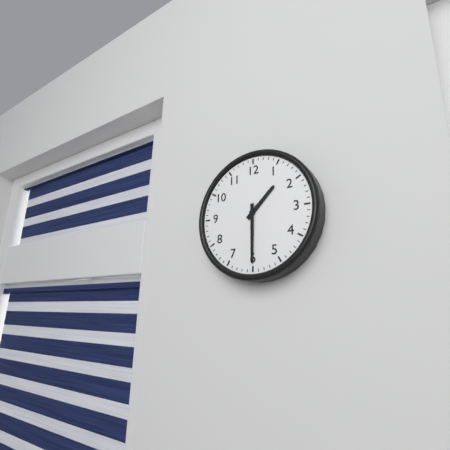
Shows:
1h30
